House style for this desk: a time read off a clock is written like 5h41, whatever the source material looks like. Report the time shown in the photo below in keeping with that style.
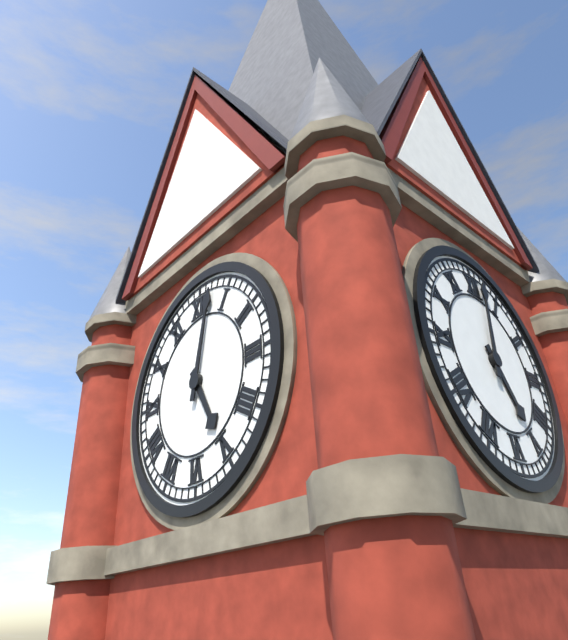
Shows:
5h02
